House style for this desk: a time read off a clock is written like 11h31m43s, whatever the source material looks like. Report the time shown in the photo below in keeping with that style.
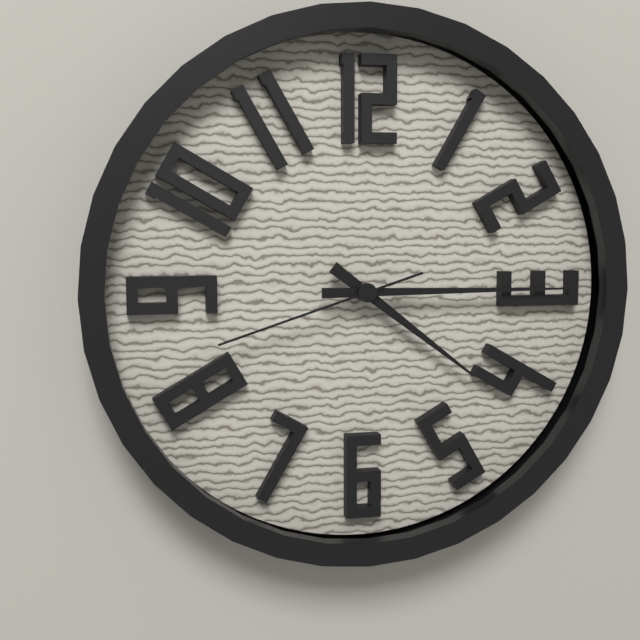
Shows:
4h15m42s
